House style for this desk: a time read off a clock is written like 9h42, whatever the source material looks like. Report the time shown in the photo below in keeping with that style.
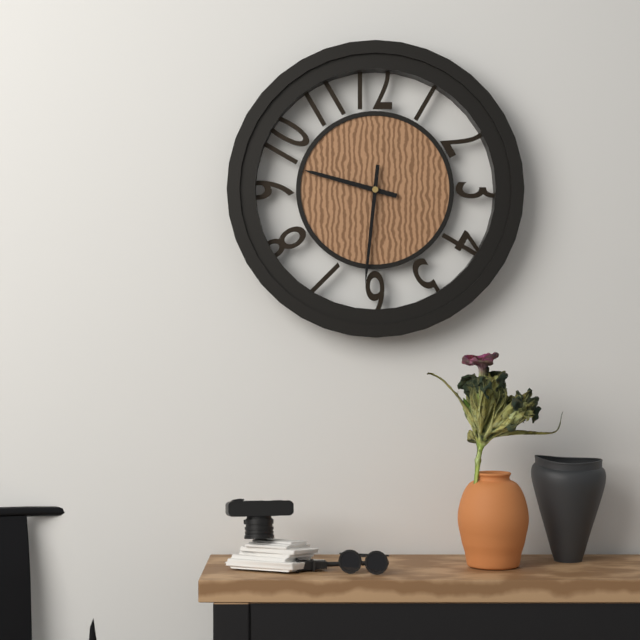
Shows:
9h31
